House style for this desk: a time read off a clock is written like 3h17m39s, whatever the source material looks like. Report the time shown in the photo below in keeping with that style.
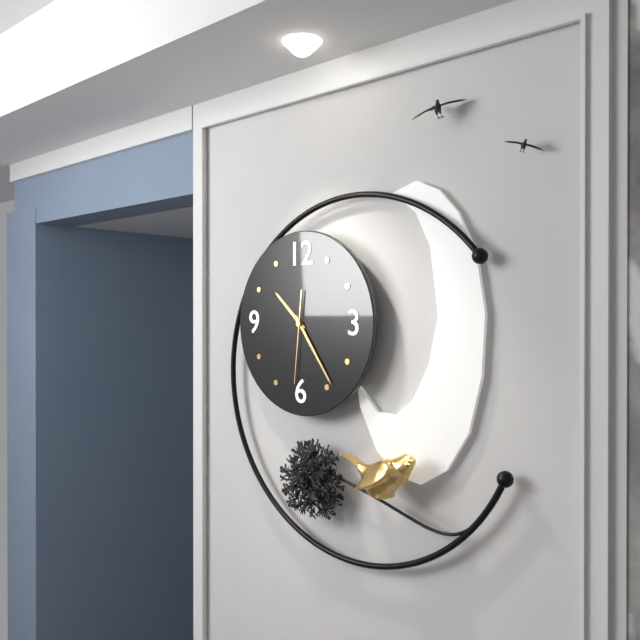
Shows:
10h24m31s
